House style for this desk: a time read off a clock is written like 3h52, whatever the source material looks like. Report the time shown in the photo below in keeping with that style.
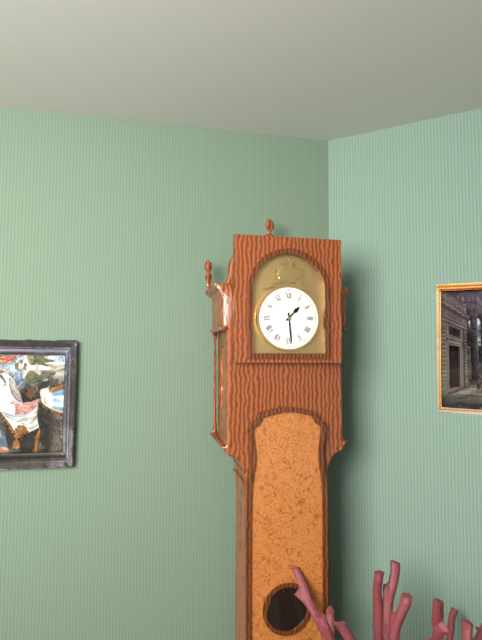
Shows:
1h29
